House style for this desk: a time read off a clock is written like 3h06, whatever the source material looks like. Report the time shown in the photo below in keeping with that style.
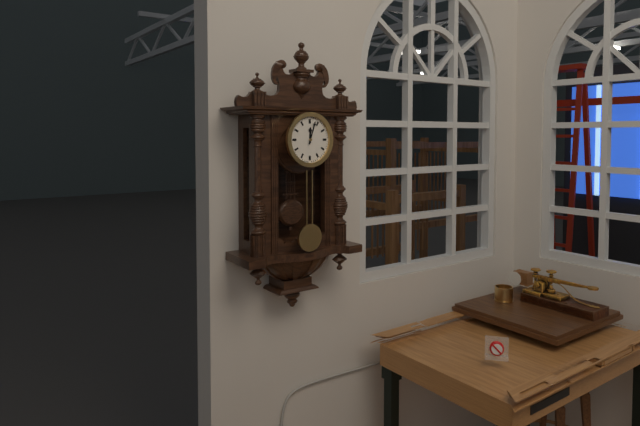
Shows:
12h03
